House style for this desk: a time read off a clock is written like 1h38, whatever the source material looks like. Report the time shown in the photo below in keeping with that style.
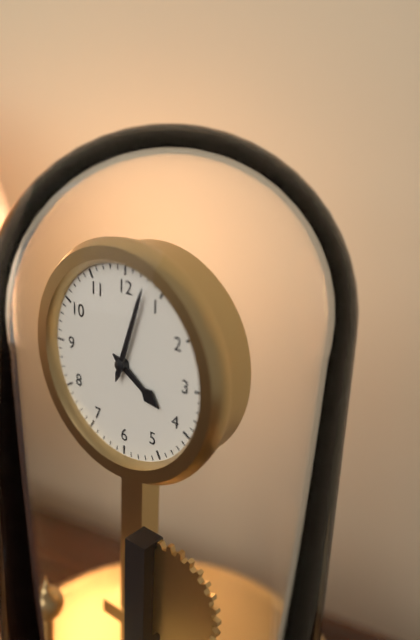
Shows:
4h03
